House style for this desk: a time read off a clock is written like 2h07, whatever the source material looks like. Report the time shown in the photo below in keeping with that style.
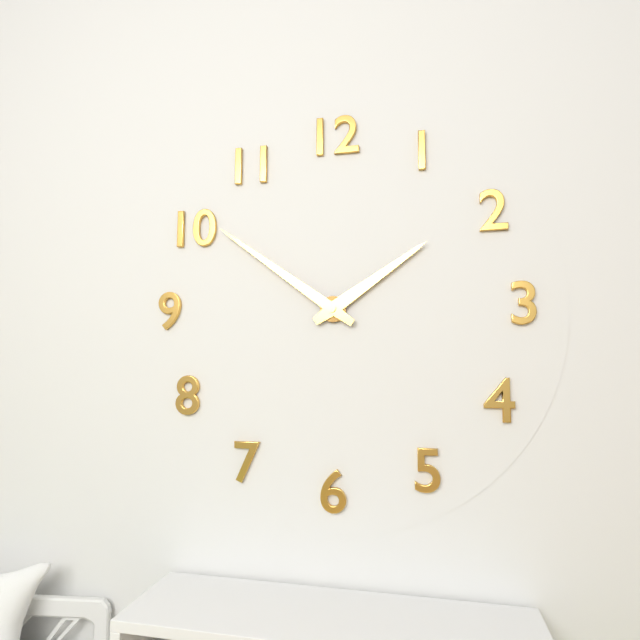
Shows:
1h51
